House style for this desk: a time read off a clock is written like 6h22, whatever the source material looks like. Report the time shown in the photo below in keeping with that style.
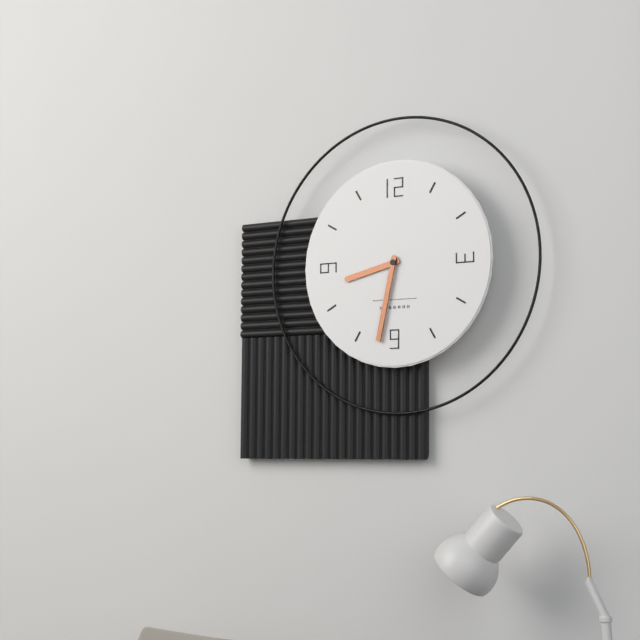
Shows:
8h32
